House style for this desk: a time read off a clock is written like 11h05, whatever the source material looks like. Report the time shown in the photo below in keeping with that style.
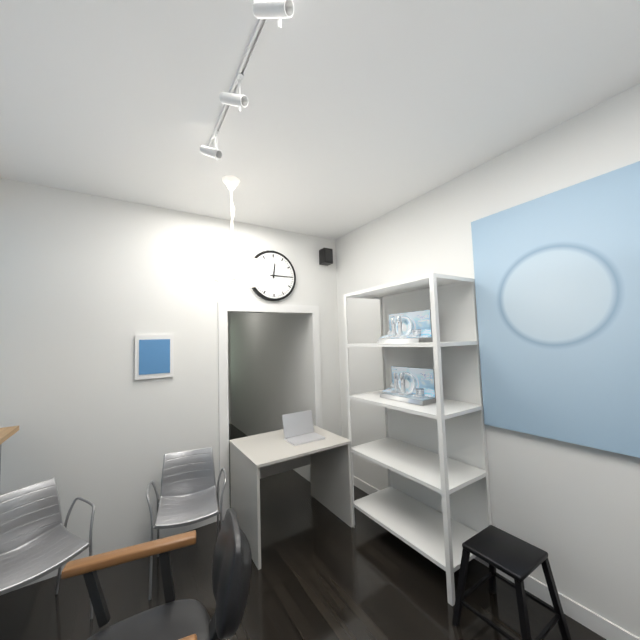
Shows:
12h15
